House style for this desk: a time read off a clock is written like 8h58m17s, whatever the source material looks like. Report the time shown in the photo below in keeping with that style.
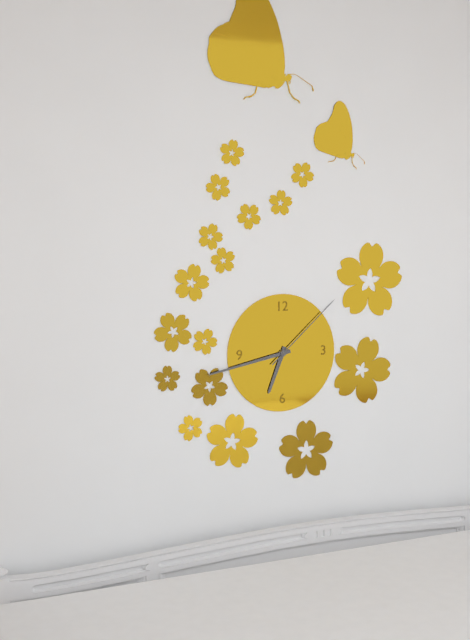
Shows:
6h43m08s
